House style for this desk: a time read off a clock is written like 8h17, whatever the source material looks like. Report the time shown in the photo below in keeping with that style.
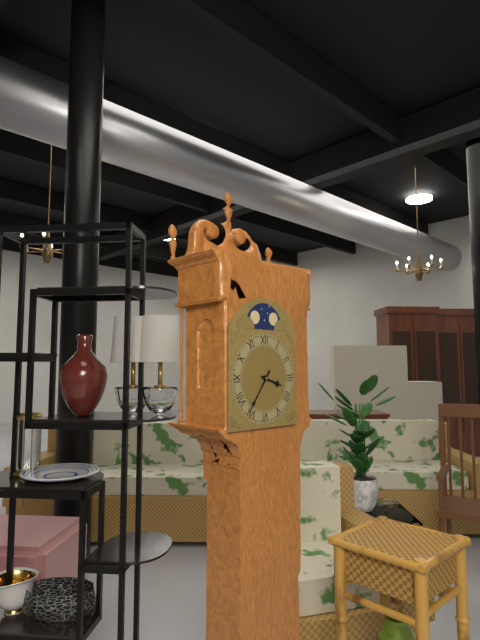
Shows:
3h36
